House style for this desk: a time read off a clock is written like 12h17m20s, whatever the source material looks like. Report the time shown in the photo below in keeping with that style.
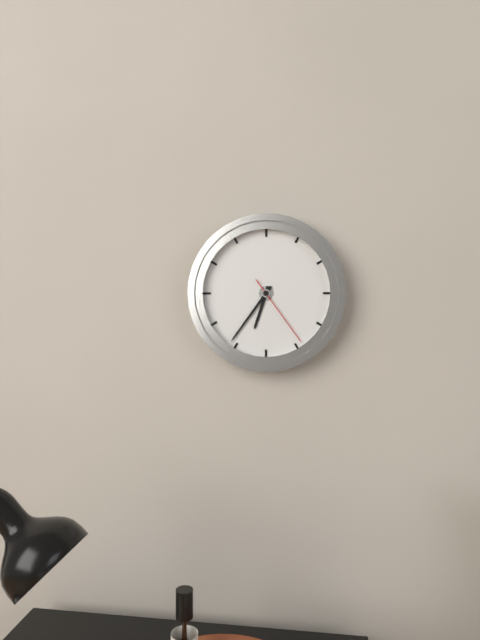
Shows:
6h36m24s
